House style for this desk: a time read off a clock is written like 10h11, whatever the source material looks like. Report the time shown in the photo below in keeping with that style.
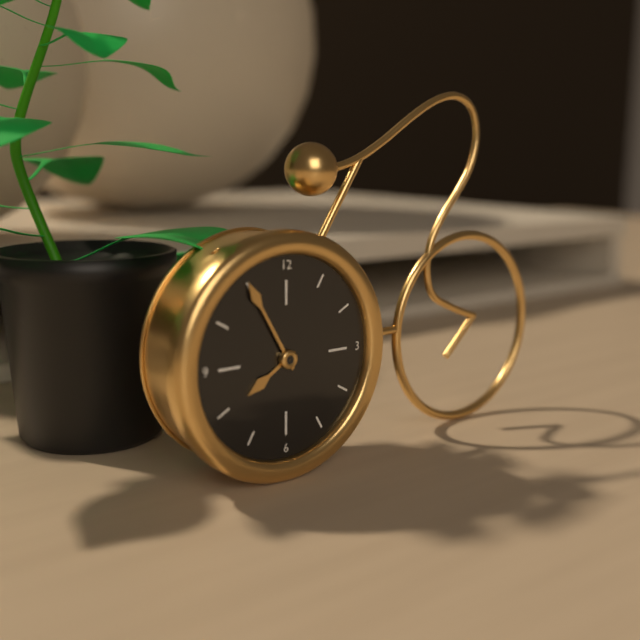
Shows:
7h55
